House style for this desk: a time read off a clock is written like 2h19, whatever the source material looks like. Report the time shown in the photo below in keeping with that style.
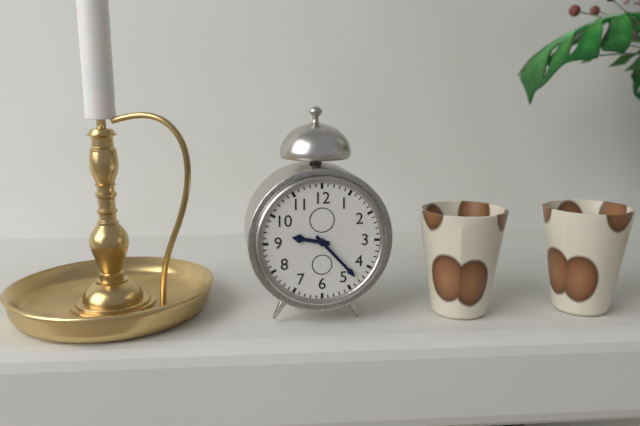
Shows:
9h23
